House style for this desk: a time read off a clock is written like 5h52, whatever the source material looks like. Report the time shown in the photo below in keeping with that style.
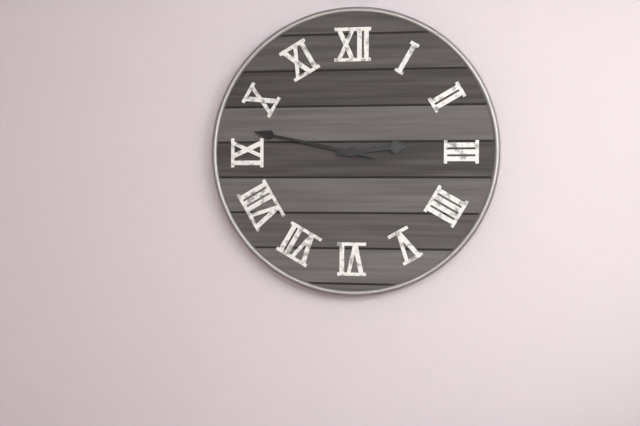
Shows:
2h47
